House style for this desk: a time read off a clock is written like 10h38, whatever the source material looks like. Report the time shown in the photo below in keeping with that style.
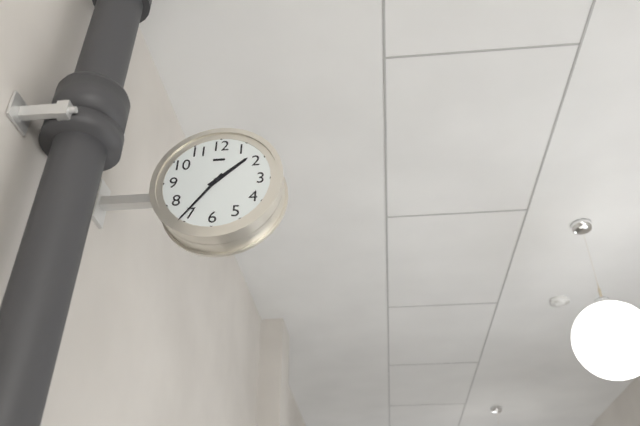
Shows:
1h36
